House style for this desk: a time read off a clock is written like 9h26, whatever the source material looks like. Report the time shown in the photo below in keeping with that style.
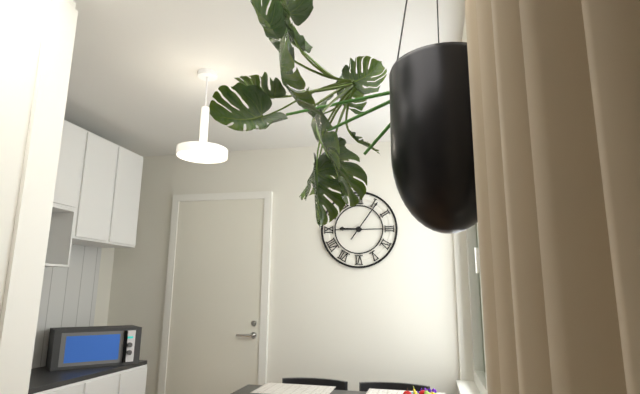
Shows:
9h06
